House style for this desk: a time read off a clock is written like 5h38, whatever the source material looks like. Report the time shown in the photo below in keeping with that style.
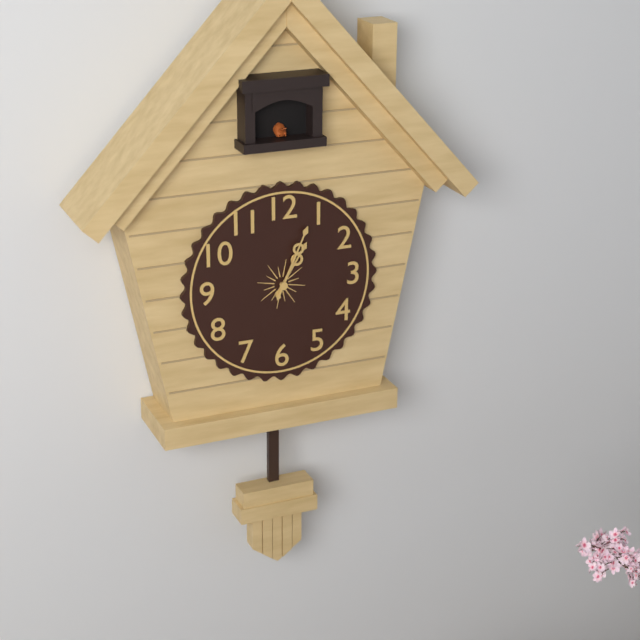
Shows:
1h04
